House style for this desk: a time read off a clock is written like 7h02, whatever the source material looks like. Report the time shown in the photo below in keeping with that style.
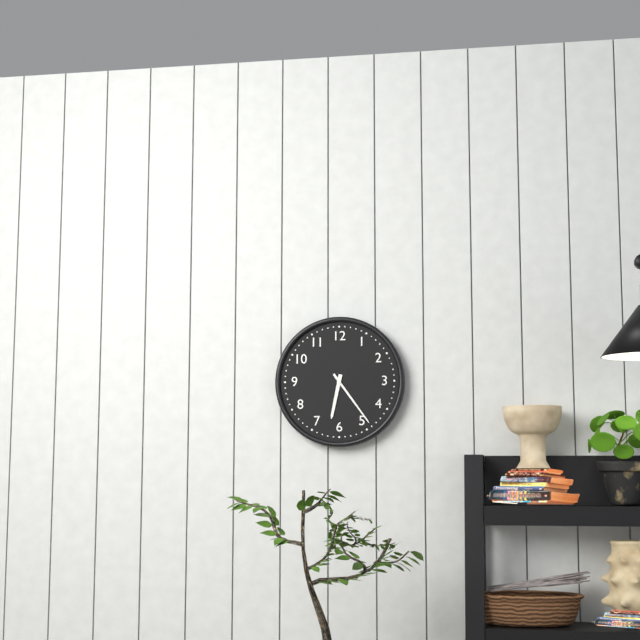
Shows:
6h24
